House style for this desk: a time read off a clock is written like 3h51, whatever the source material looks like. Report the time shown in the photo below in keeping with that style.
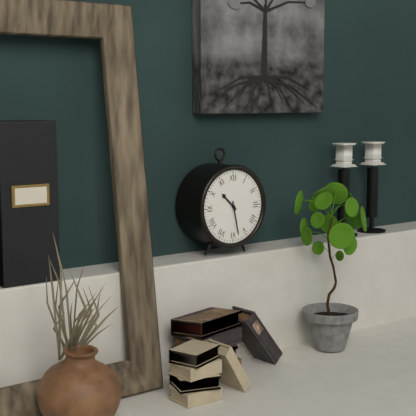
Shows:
10h28
